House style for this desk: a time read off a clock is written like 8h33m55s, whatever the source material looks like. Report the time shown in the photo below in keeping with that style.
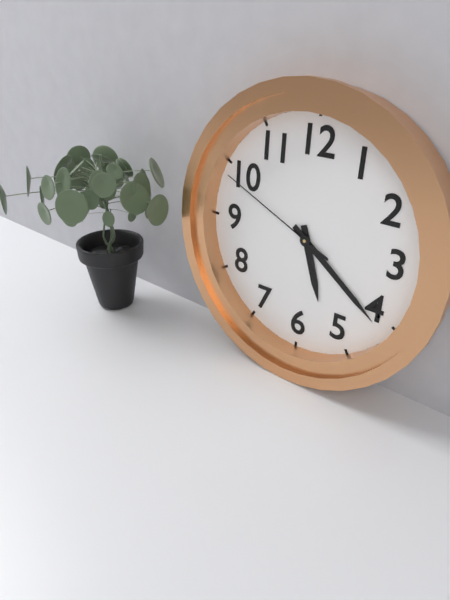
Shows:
5h21m49s
